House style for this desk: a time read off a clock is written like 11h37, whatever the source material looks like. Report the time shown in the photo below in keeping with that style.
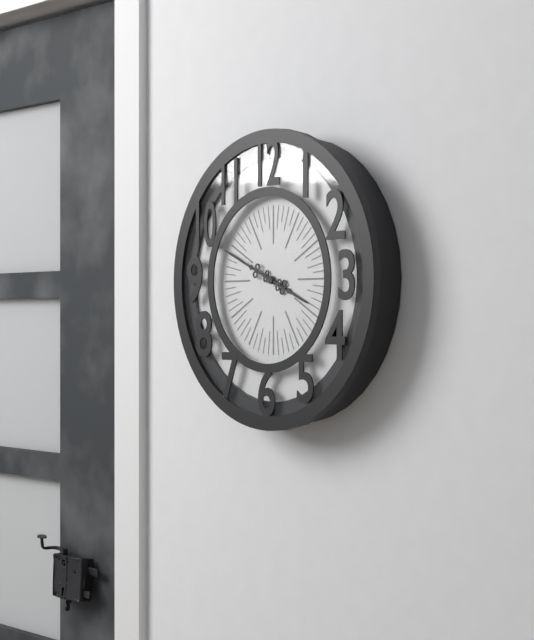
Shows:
3h49
